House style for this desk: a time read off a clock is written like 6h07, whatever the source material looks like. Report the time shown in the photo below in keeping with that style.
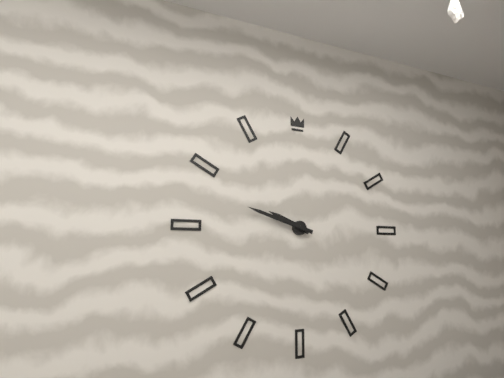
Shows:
9h48
